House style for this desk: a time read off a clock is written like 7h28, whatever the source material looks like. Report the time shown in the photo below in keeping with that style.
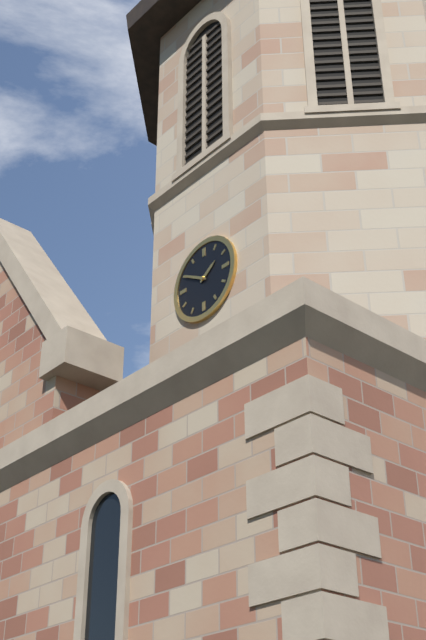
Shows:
1h50
